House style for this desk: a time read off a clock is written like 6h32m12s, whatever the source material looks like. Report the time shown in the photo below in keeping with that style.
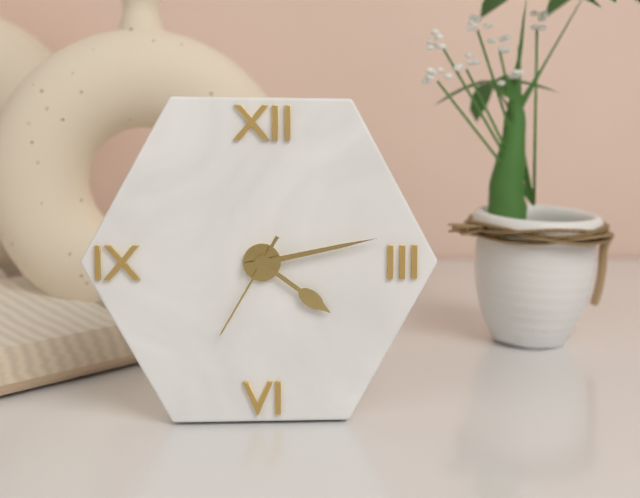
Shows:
4h13m35s
